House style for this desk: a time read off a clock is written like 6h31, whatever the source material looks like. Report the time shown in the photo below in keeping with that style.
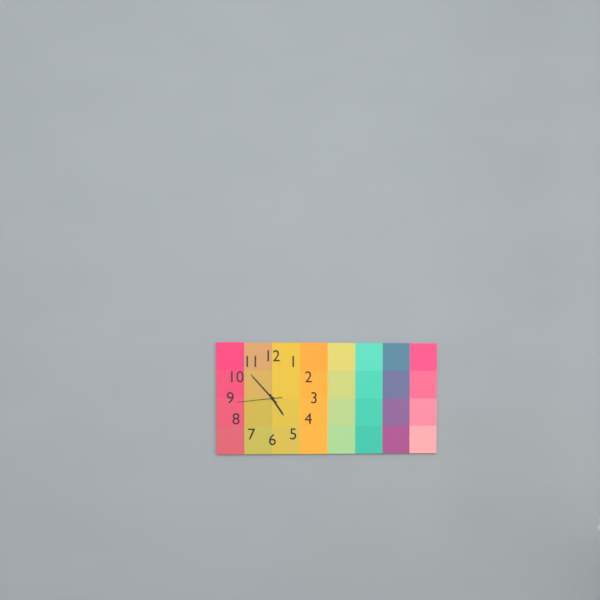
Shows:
4h53
